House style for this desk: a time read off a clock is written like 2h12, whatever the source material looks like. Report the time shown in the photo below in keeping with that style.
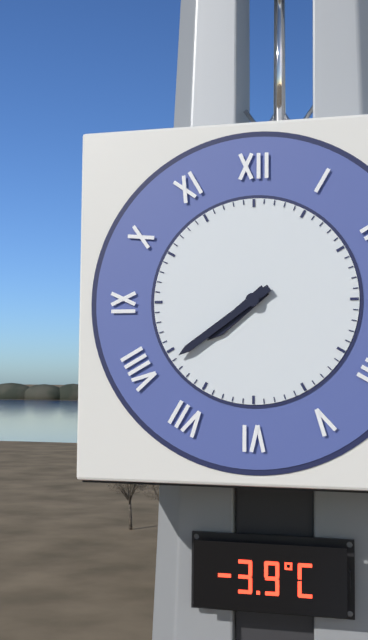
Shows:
7h39
